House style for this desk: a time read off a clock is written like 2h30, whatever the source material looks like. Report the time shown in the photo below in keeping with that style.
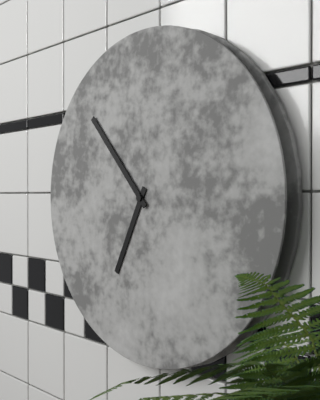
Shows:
6h53
